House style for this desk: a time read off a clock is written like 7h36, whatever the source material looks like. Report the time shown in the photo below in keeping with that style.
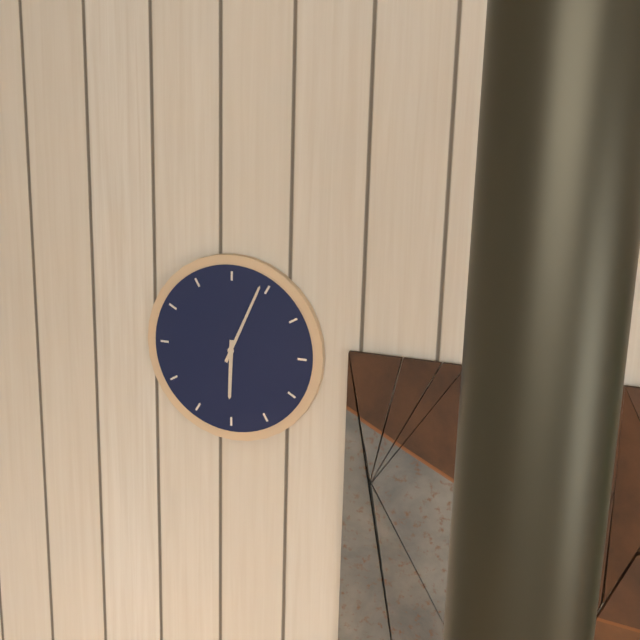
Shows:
6h04
